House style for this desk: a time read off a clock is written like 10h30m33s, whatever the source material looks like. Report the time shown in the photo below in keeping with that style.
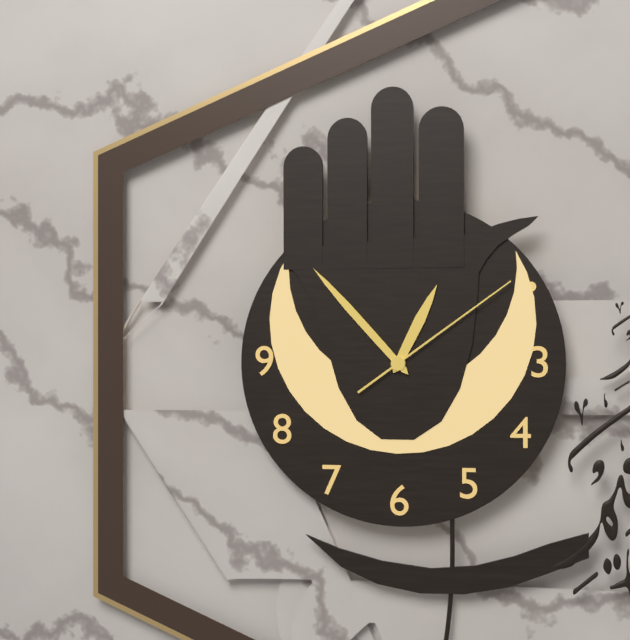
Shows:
12h53m09s
